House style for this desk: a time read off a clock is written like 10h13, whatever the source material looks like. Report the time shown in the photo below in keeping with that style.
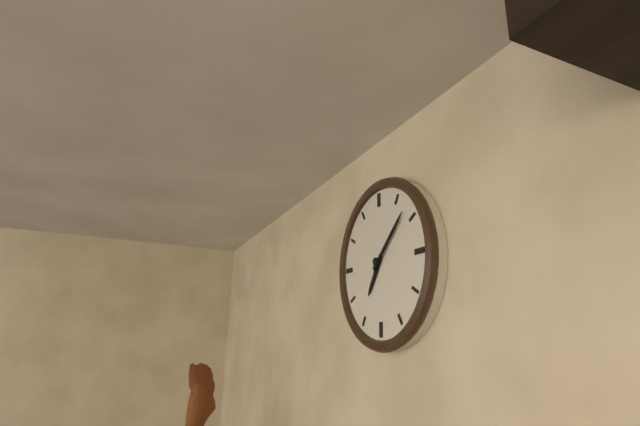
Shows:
7h08
